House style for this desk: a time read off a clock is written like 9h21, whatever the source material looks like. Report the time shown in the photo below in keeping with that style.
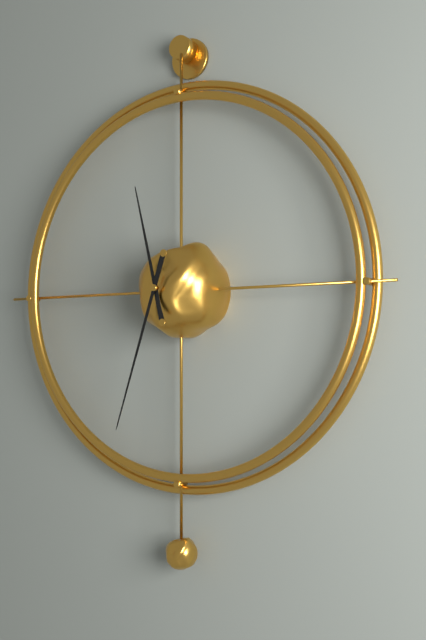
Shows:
11h33
